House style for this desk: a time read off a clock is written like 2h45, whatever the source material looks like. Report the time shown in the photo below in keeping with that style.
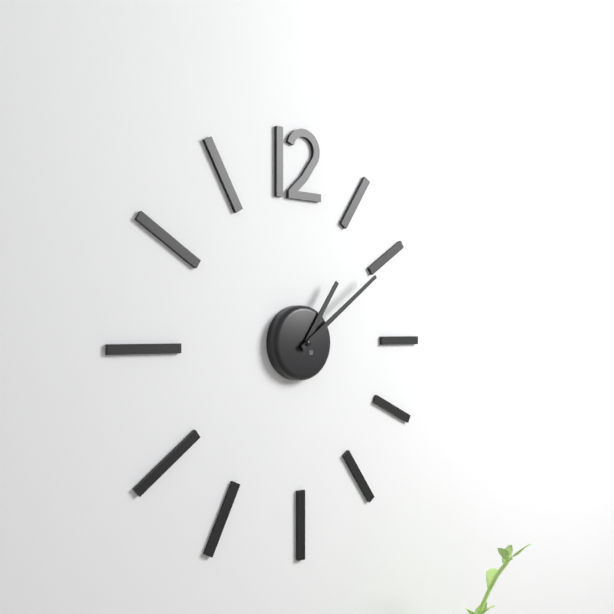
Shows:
1h09
